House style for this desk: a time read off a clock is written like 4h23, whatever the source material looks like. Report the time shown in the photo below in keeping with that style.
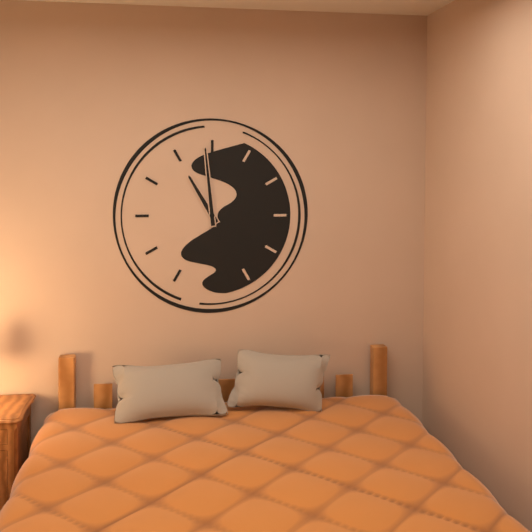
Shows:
10h59
